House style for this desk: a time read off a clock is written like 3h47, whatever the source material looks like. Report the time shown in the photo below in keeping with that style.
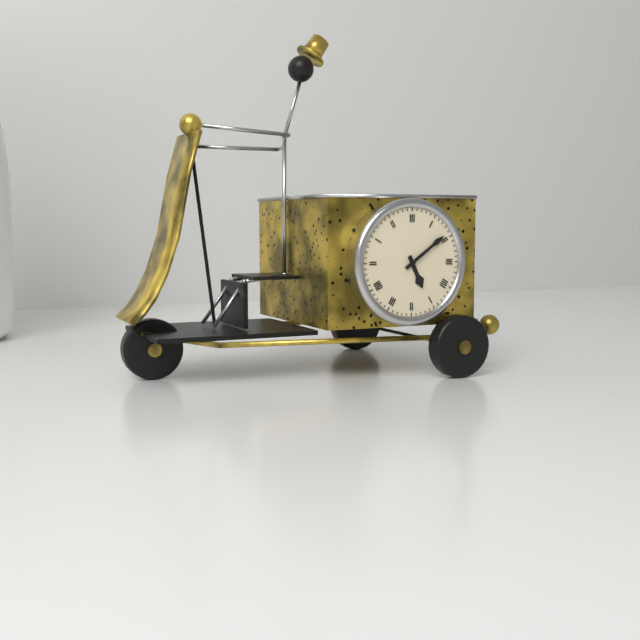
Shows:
5h09
